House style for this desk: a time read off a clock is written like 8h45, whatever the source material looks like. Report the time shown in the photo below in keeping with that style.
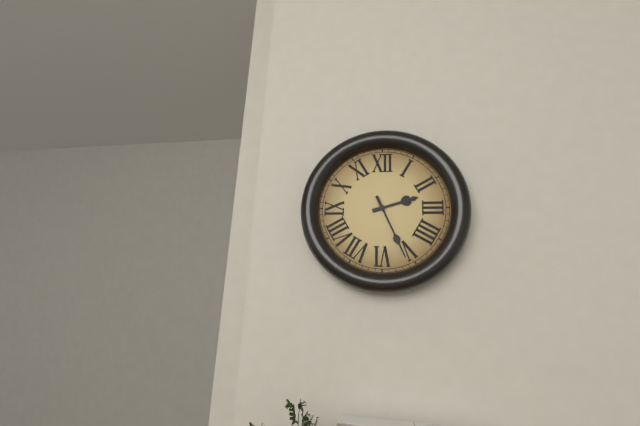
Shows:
2h26
